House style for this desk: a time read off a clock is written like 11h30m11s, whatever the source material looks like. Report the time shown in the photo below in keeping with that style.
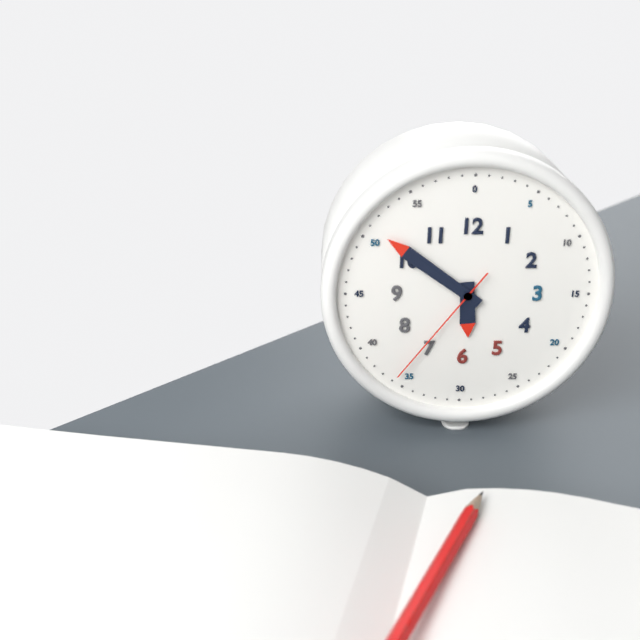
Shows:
5h51m36s
